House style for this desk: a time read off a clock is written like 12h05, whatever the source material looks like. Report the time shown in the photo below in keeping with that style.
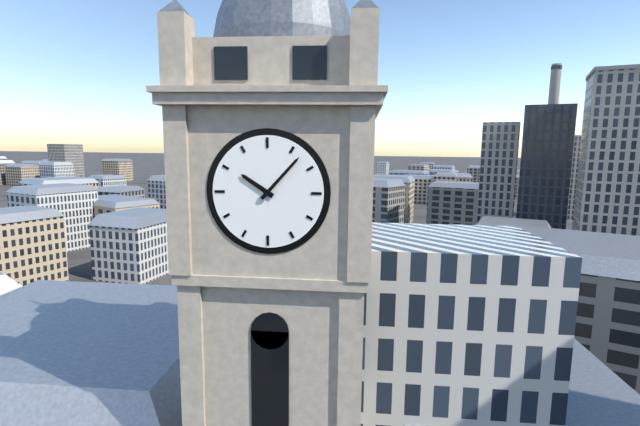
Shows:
10h07
